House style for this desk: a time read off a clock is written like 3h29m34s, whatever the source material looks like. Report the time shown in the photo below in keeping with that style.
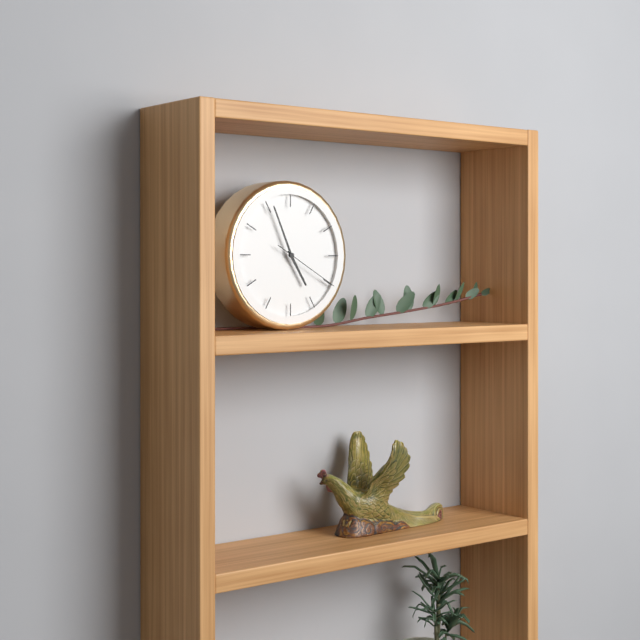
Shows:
4h56m20s
